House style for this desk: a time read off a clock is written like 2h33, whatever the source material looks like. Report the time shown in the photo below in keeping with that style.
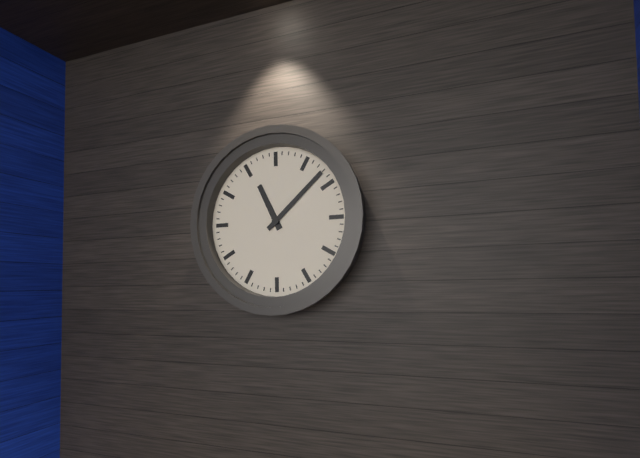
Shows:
11h08
